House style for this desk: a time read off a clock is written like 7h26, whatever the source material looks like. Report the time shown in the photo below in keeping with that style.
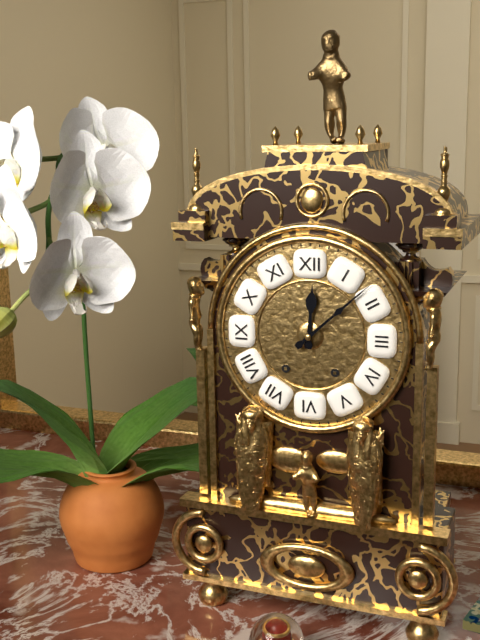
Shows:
12h08
